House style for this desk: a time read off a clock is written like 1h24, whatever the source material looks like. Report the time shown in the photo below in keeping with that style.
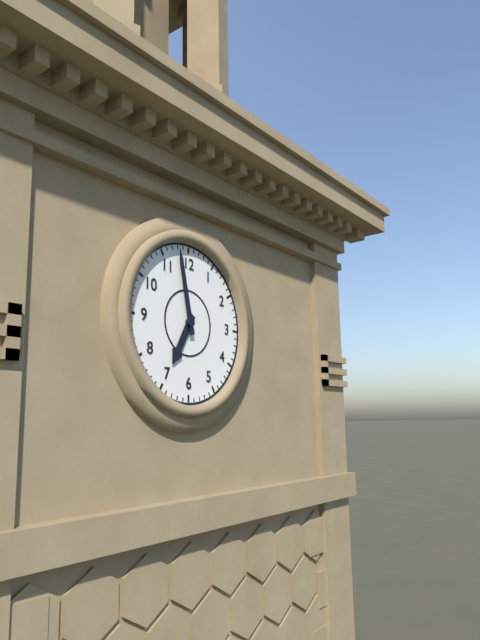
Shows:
6h58
